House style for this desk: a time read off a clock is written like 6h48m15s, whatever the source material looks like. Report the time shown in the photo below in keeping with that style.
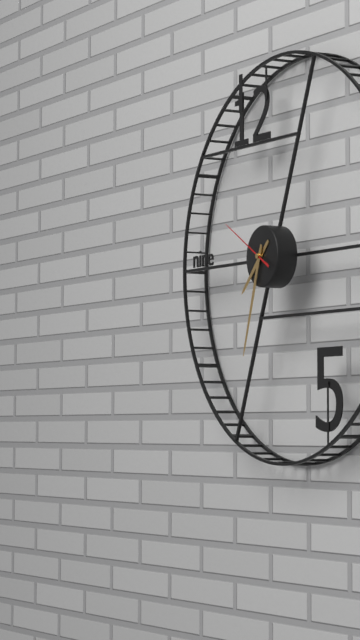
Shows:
7h33m50s
